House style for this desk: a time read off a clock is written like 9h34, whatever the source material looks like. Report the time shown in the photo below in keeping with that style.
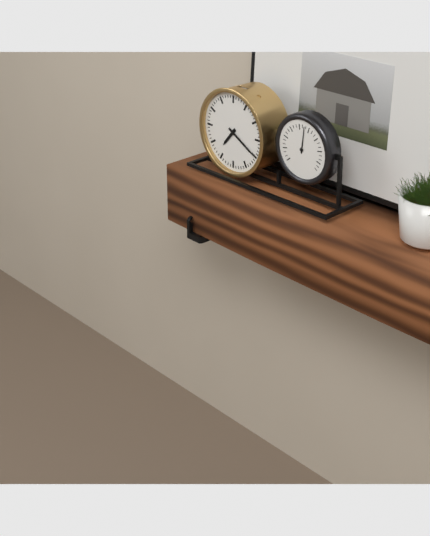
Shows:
7h20
